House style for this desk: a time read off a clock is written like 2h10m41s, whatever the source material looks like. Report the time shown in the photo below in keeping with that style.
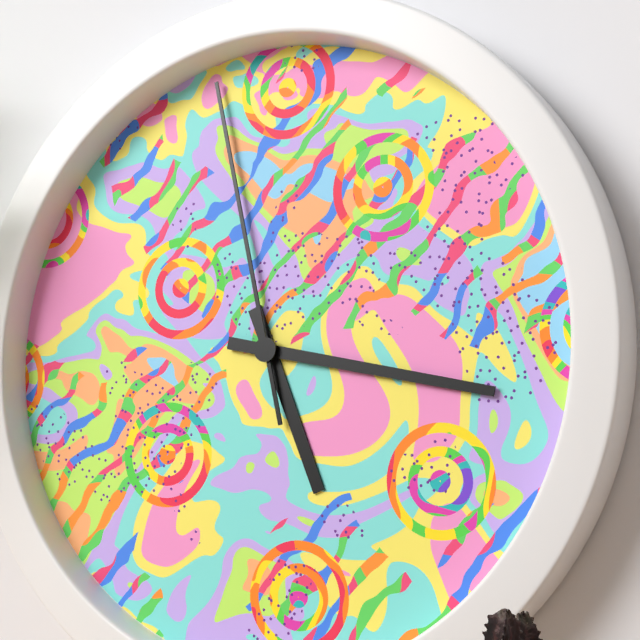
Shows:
5h17m58s
